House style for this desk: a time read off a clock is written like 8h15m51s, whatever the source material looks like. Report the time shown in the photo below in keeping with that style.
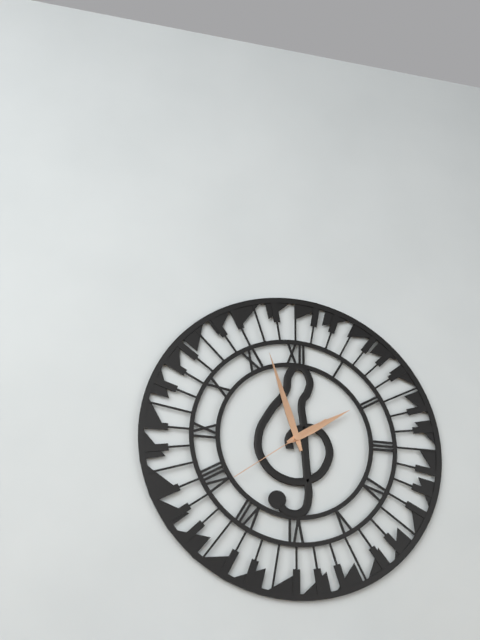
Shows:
1h57m39s
